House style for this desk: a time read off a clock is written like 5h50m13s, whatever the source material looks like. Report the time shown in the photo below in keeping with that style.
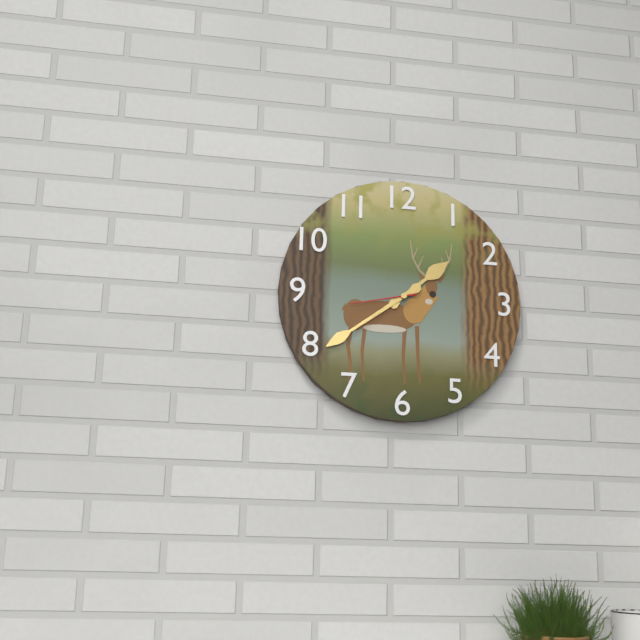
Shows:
1h39m43s
